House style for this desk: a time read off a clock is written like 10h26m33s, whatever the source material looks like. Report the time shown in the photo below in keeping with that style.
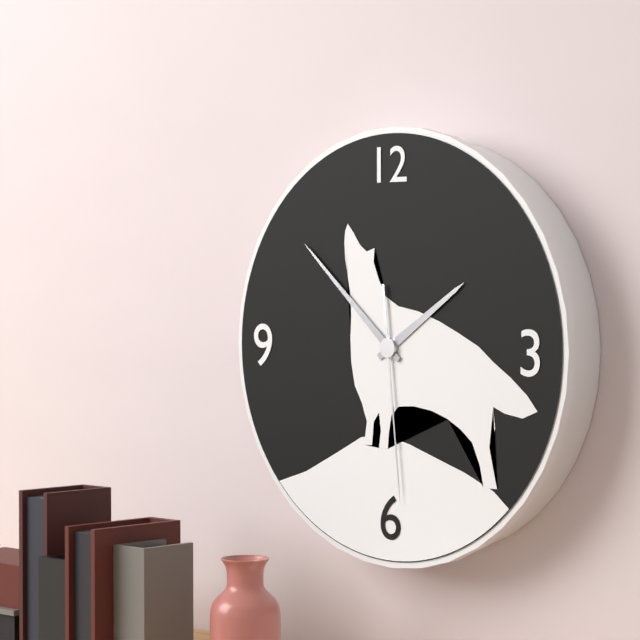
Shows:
1h52m29s
